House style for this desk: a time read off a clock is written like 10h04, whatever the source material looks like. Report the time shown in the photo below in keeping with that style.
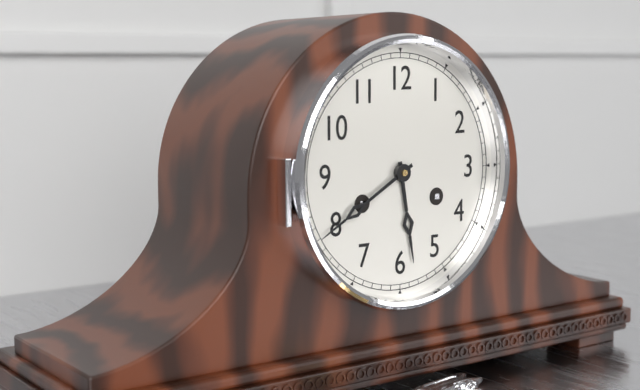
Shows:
5h40
